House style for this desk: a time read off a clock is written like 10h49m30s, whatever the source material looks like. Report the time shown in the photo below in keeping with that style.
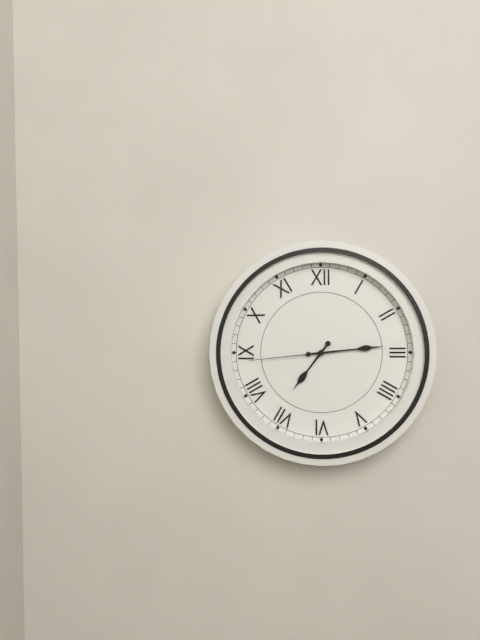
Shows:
7h14m44s
